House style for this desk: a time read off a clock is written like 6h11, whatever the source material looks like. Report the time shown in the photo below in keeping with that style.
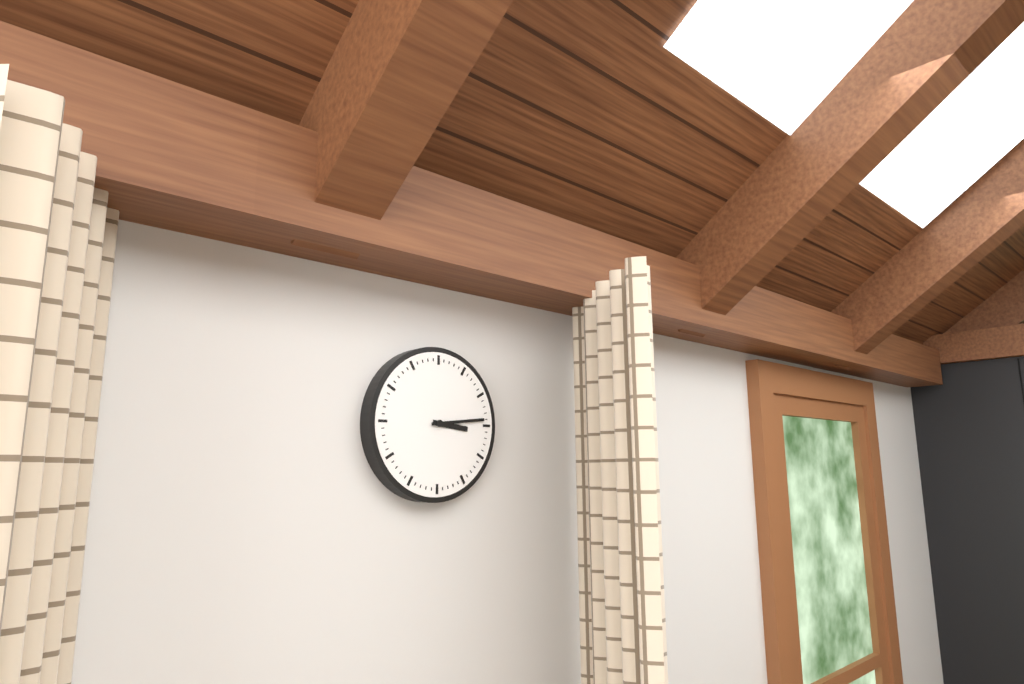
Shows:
3h14
